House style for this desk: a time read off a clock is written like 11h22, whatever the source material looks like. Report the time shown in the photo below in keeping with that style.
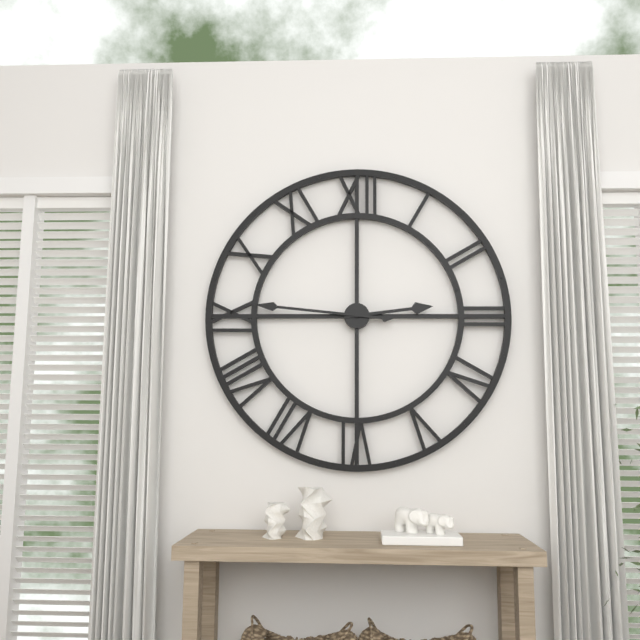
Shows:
2h46
